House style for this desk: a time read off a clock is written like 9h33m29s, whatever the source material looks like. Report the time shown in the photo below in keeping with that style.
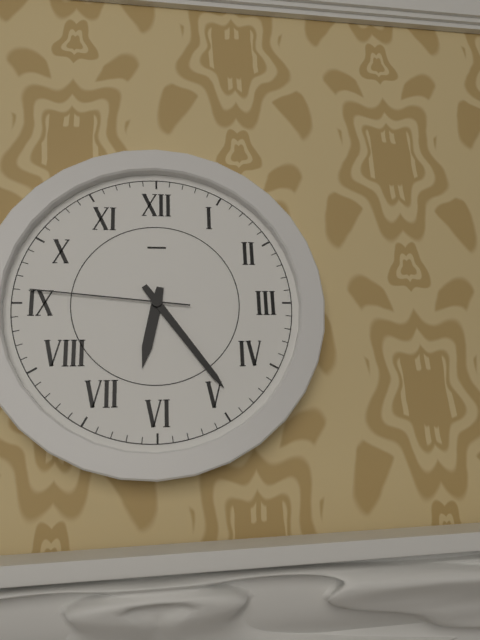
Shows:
6h24m46s
